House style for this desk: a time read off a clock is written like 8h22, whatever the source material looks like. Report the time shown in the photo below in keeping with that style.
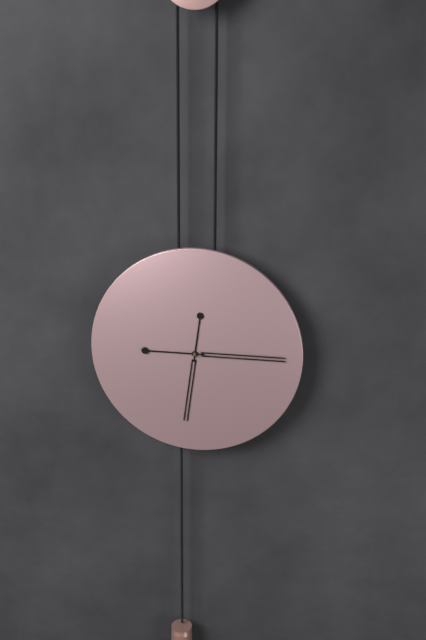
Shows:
6h15
